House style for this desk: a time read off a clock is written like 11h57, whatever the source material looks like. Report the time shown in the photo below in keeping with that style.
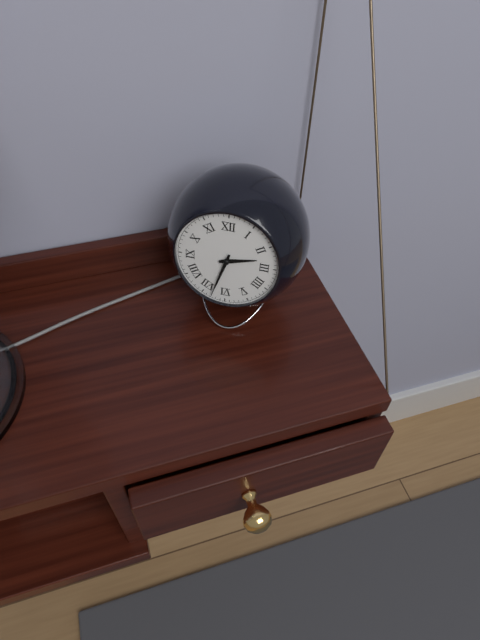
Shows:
2h33
